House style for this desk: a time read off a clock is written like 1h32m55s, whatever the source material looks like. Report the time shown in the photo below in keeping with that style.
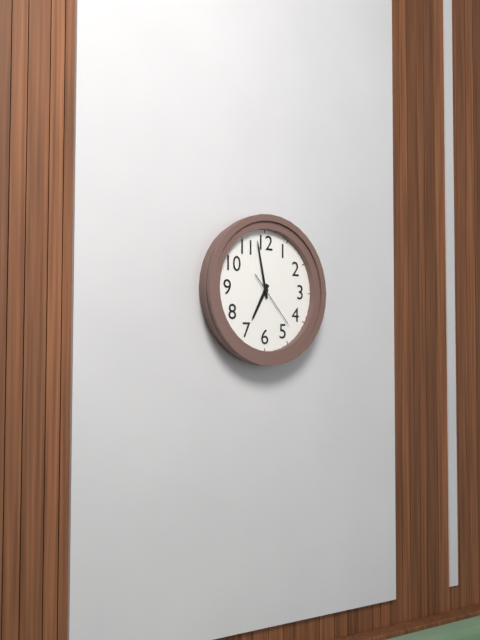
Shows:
6h58m23s
